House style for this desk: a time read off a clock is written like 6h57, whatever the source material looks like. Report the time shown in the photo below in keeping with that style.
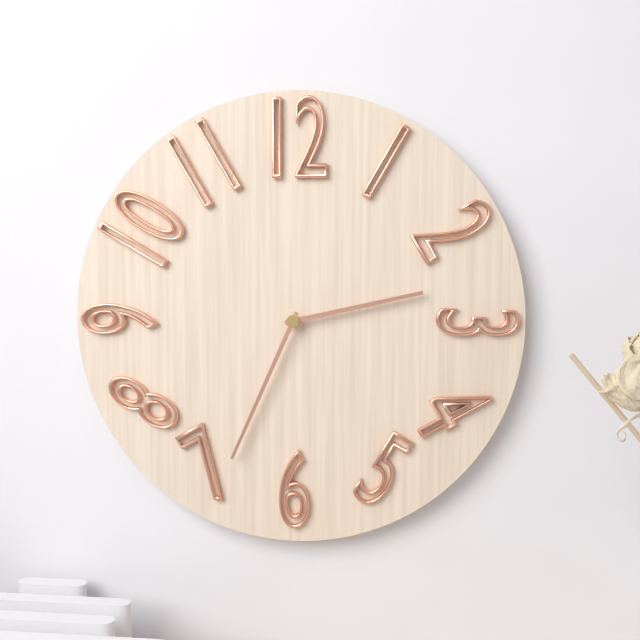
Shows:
2h34
